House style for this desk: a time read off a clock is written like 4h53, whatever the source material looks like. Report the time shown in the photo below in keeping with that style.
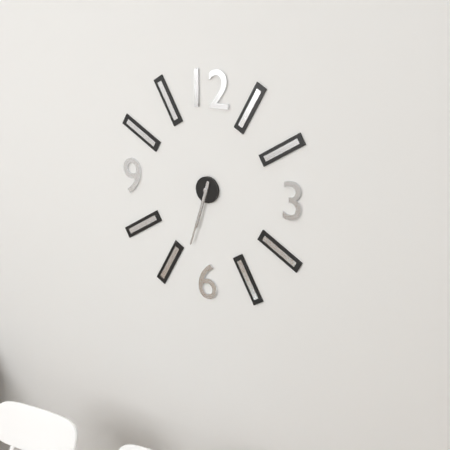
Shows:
6h33
